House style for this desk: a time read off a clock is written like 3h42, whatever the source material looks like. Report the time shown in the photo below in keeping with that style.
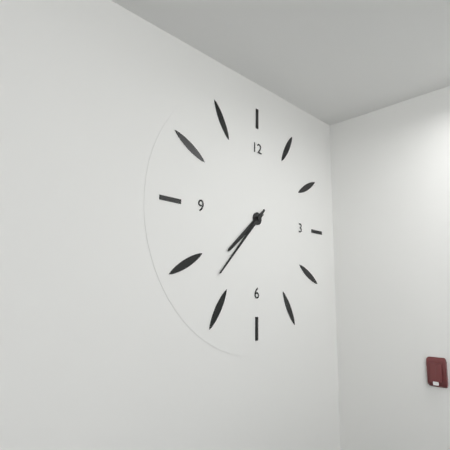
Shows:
7h37
